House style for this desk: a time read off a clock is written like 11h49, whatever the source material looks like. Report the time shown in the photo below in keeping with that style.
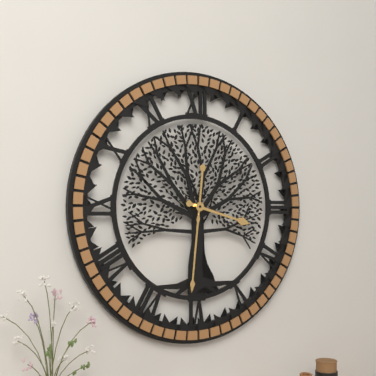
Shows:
3h31
